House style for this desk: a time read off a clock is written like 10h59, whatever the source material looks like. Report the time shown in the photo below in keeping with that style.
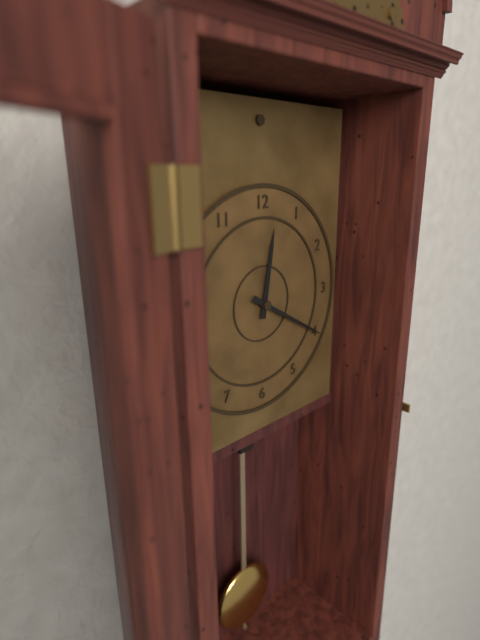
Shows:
12h20
